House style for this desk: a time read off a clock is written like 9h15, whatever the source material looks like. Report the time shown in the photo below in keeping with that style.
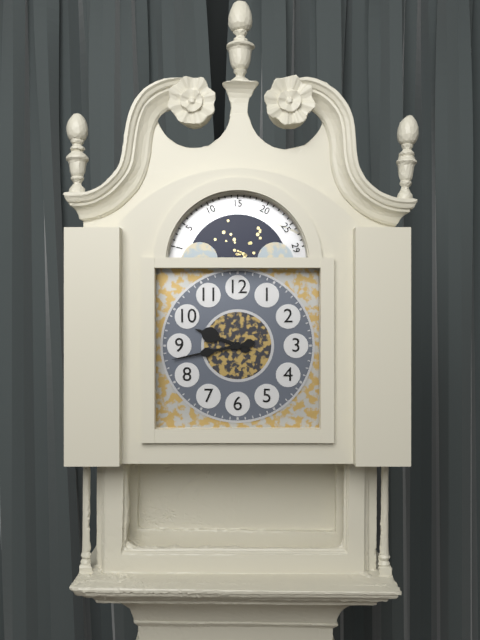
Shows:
9h43
